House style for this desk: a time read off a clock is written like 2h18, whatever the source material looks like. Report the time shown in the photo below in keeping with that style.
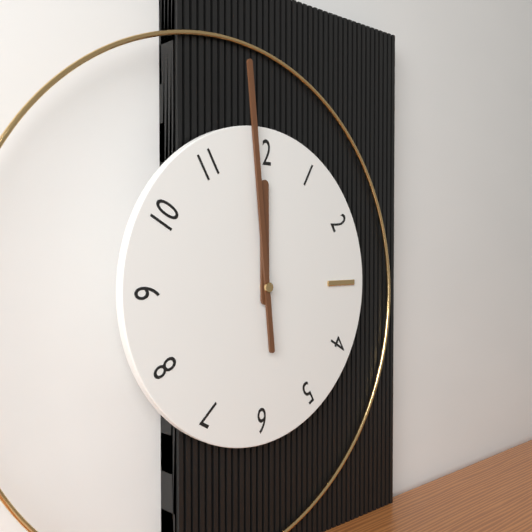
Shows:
11h59
